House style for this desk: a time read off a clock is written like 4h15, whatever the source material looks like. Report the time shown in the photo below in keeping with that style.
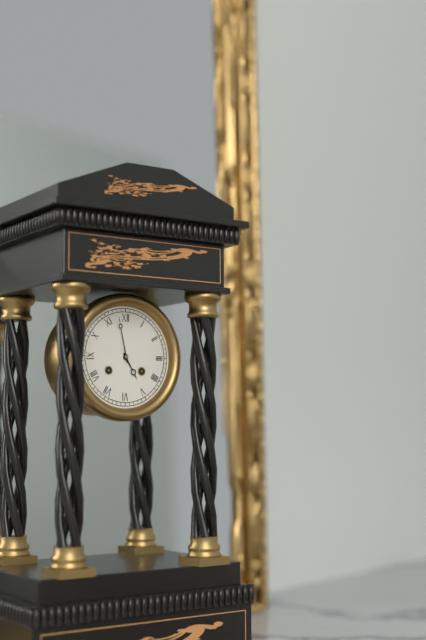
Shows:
4h58
